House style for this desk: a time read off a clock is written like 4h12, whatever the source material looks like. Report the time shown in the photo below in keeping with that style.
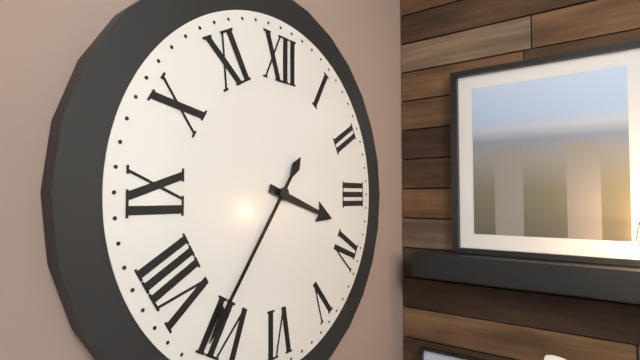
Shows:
3h36
